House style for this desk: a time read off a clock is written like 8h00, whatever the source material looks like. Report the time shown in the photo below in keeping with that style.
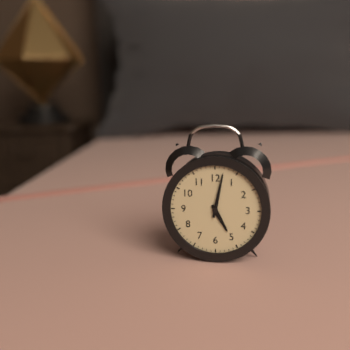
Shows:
5h02
